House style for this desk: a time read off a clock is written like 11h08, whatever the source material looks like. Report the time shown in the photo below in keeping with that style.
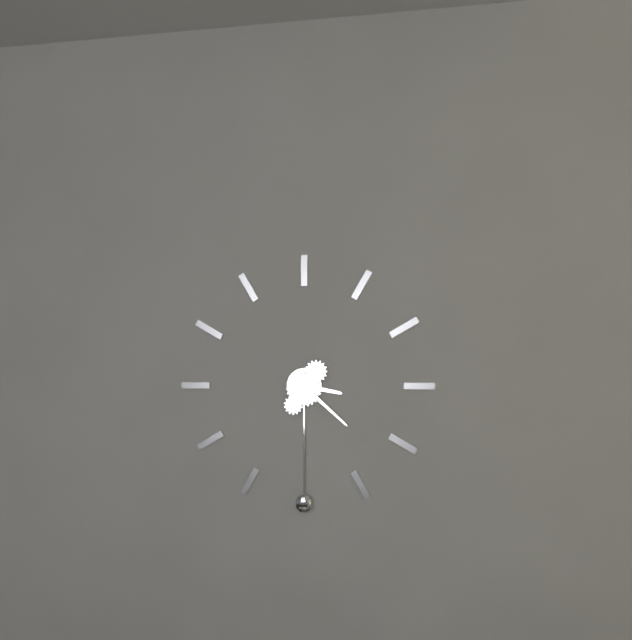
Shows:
3h22
